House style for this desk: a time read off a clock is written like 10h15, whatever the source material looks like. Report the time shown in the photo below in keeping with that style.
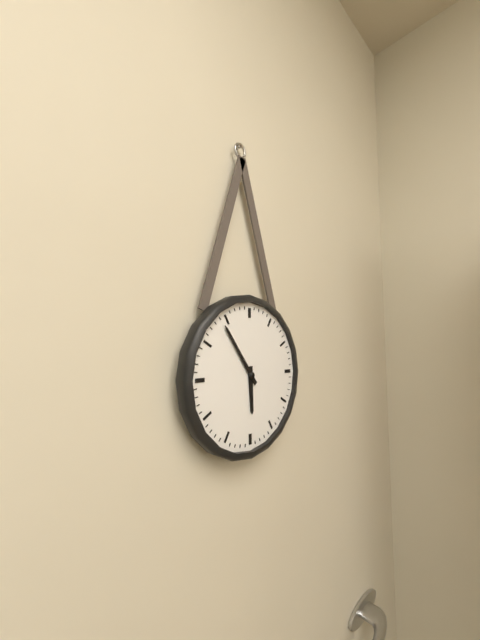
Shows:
5h54
